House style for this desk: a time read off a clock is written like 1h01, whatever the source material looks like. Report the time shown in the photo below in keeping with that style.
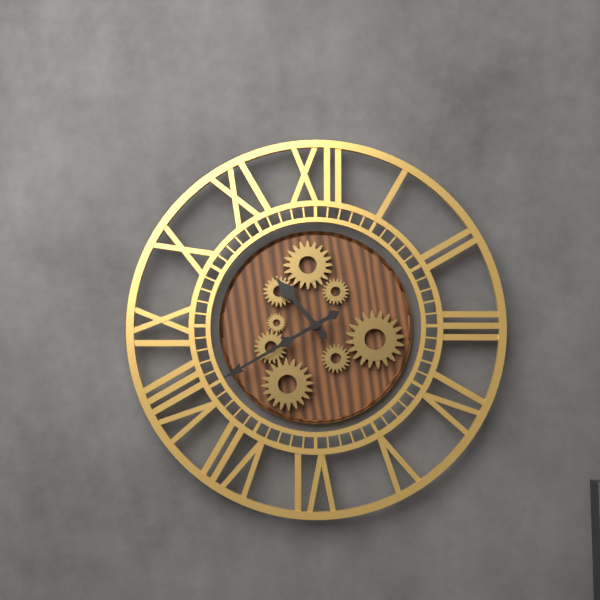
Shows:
10h40
